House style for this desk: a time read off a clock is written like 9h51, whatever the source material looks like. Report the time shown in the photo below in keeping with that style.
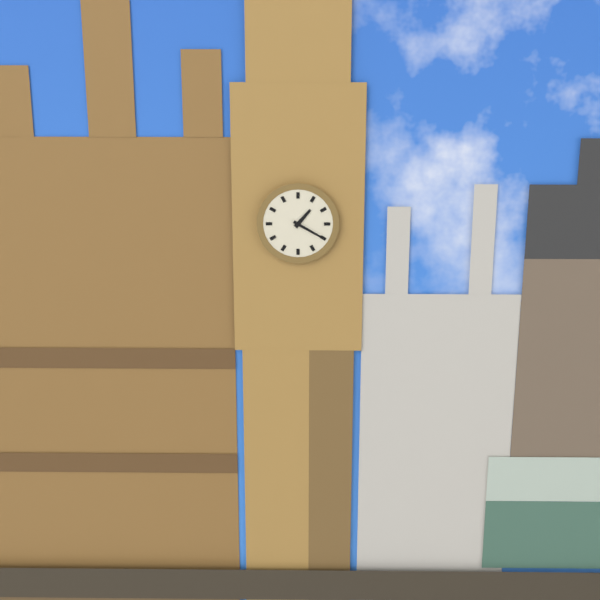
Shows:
1h20
